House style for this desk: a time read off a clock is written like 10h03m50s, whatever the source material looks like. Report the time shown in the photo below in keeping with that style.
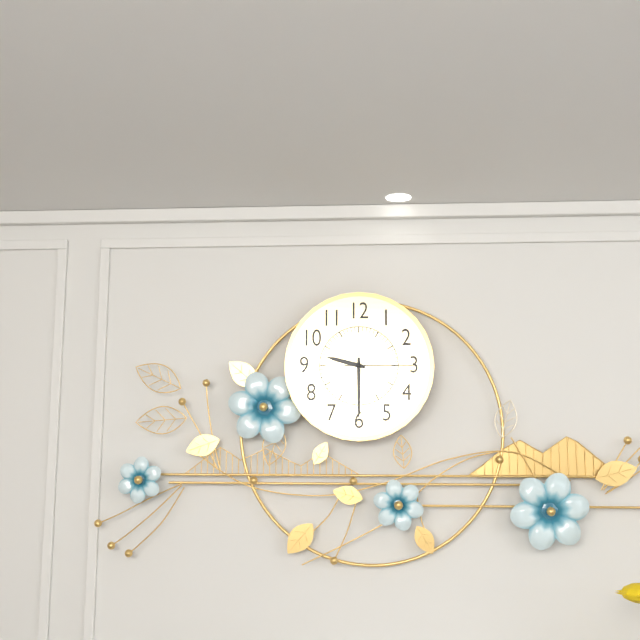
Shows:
9h30m15s
